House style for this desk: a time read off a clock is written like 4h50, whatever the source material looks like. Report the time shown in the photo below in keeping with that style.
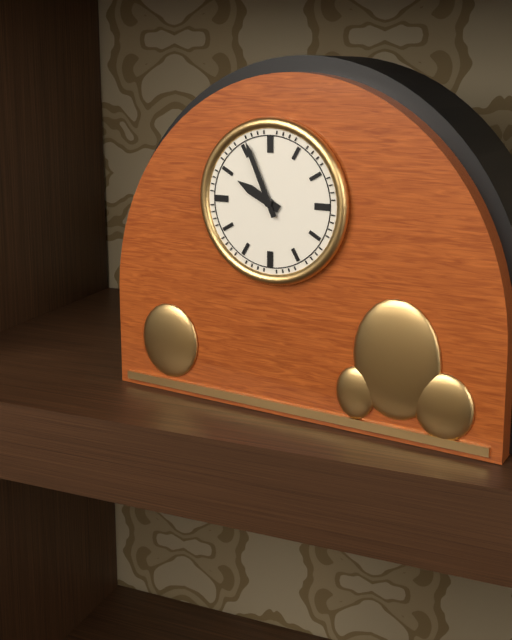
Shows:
9h56
